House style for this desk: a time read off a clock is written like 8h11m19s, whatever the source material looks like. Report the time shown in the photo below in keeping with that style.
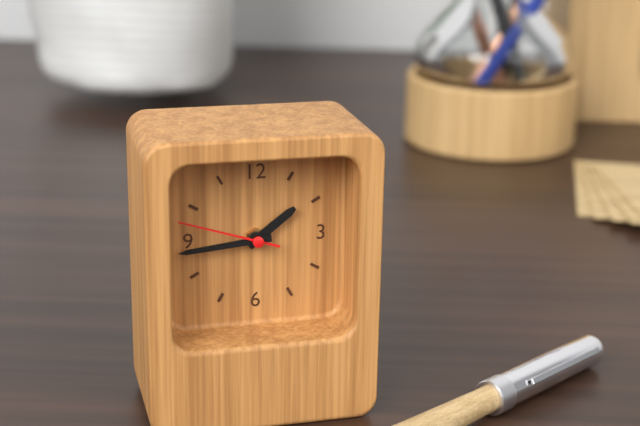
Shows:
1h44m48s
